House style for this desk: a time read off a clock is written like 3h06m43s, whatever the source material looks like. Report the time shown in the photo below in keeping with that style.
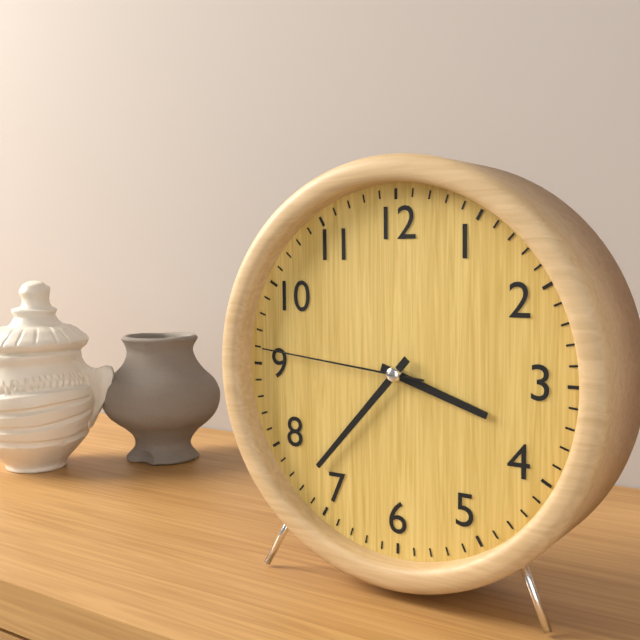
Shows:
3h37m46s
